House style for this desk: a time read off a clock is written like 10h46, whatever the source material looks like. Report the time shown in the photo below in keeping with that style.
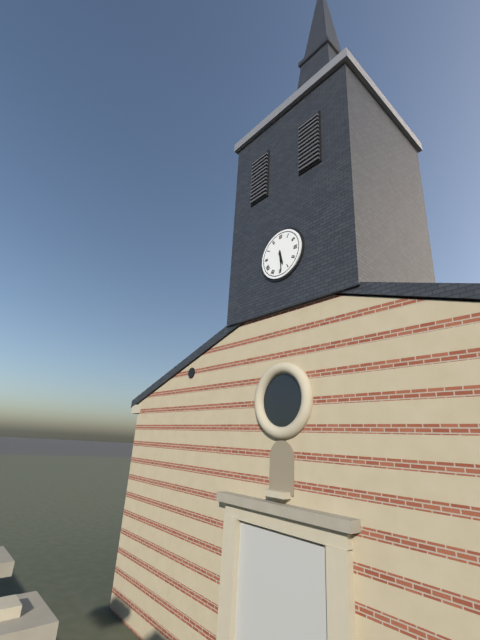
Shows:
5h29
